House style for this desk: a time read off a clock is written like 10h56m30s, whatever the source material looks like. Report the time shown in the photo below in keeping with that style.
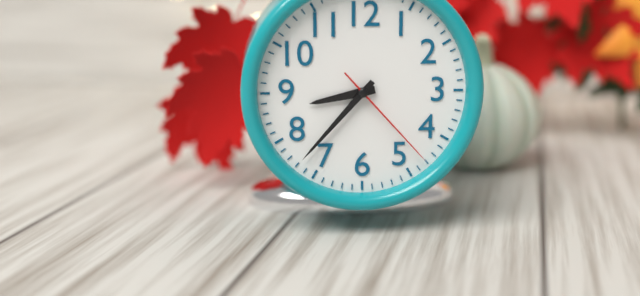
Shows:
8h37m23s
